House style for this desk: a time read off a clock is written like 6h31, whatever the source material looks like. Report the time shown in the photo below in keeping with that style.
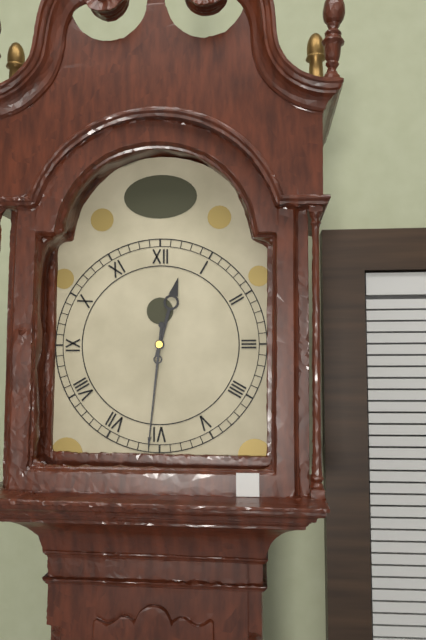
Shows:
12h31
